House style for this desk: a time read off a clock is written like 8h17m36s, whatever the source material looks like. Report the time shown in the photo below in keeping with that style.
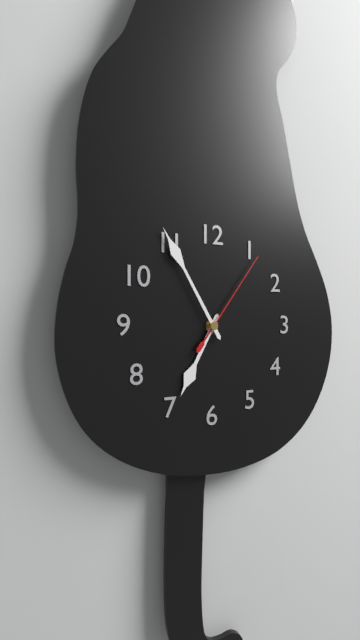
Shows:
6h55m06s
